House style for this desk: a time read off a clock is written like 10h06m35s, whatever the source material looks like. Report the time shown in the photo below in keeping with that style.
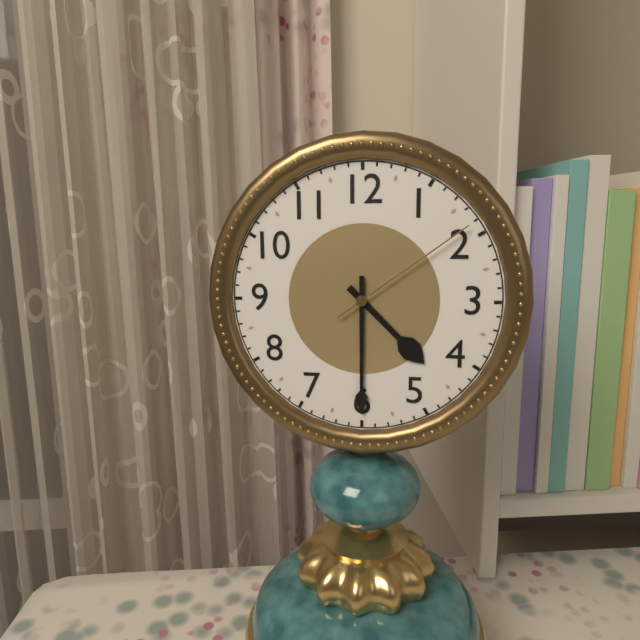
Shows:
4h30m09s
